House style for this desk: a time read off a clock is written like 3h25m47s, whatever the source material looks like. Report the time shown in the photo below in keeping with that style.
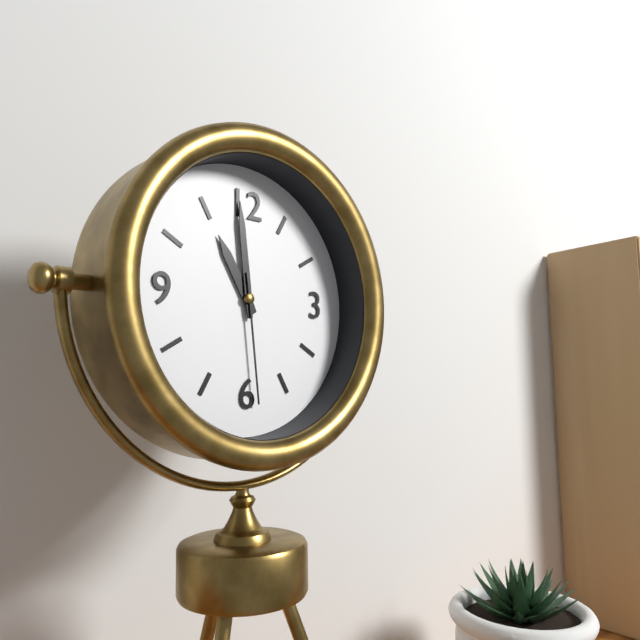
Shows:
10h59m29s
